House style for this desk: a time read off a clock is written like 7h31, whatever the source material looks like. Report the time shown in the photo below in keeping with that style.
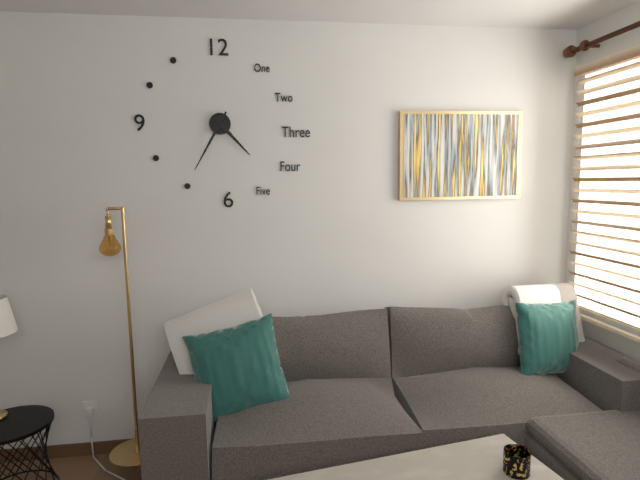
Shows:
4h35
